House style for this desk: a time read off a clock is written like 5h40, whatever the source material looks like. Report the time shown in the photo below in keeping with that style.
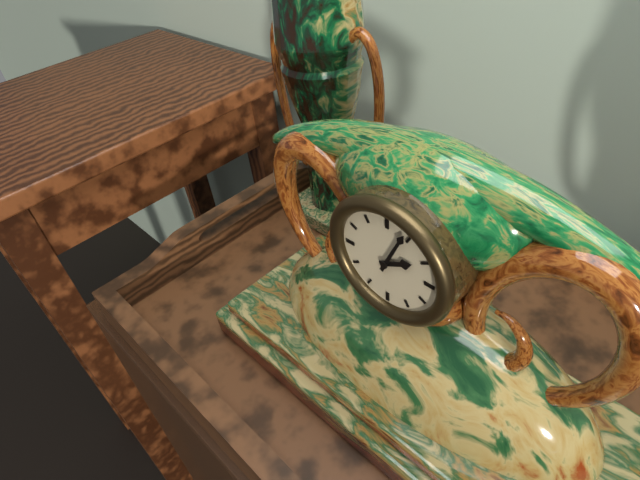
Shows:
2h04
